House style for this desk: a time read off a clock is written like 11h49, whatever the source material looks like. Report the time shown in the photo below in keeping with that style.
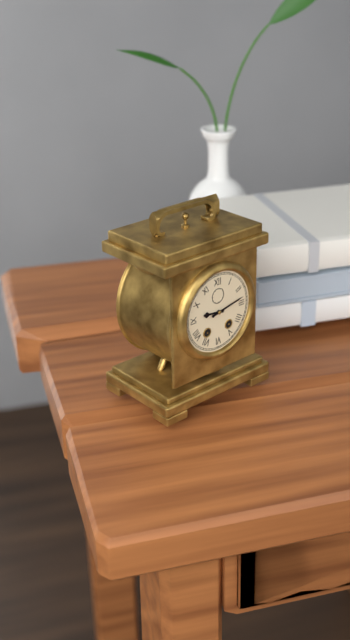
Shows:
9h13
